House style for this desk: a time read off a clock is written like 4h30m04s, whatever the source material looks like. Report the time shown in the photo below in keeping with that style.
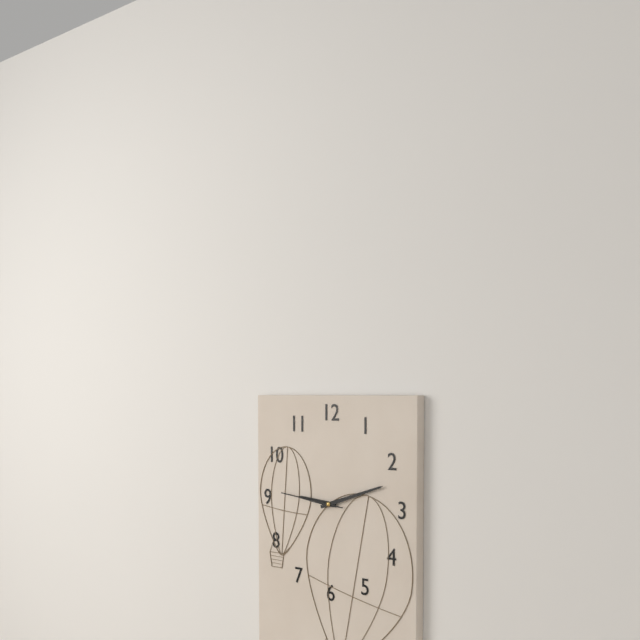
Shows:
9h12m46s
